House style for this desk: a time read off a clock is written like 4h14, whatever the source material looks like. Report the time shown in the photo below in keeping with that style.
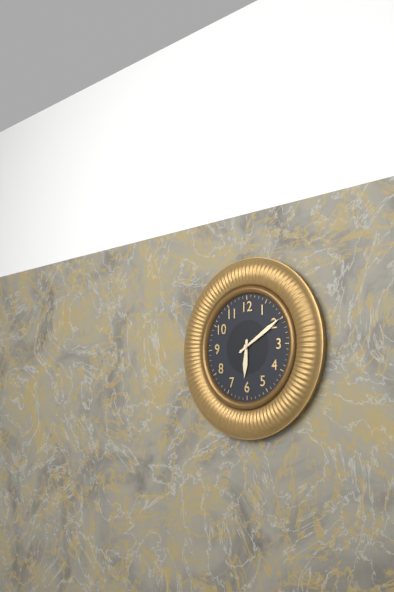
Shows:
6h10
